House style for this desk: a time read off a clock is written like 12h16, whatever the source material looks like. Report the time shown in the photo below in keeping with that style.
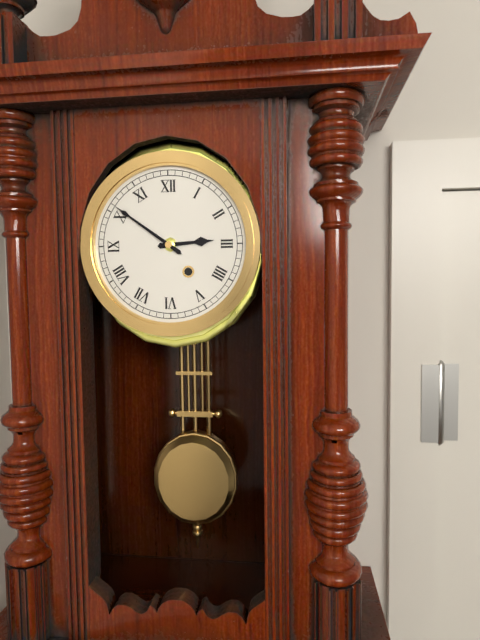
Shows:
2h51
